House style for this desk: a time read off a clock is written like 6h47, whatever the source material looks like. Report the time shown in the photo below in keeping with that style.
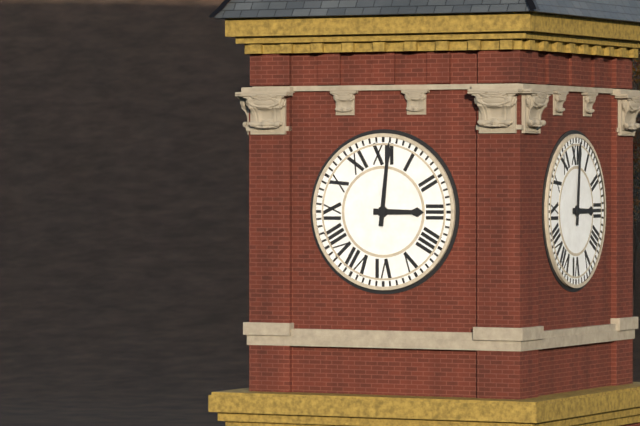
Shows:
3h01
